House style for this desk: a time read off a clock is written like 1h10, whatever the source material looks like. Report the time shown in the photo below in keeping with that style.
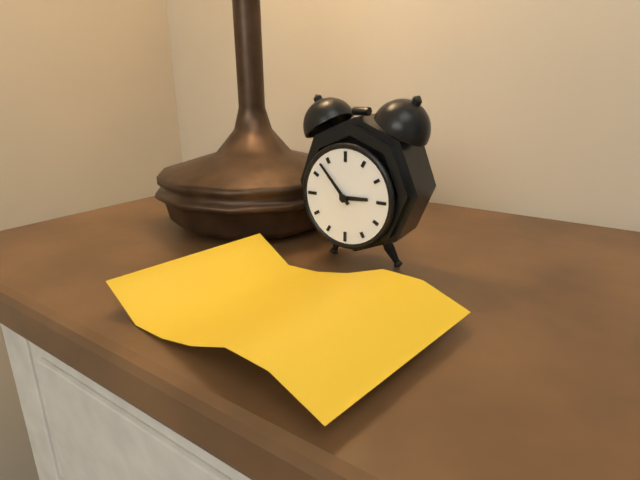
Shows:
2h53
